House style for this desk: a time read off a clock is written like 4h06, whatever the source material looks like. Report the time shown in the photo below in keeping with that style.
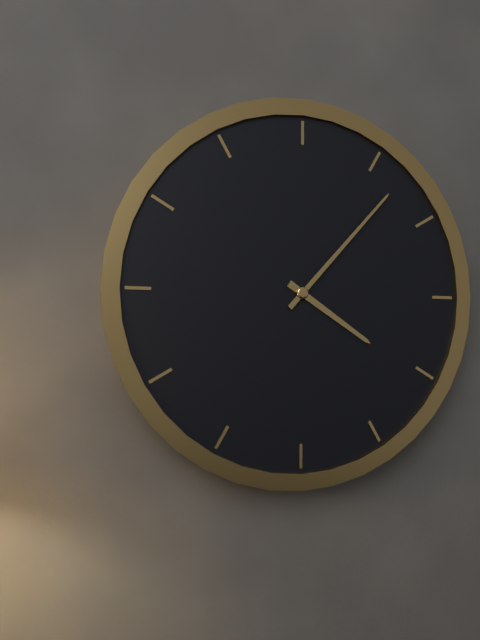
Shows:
4h07
